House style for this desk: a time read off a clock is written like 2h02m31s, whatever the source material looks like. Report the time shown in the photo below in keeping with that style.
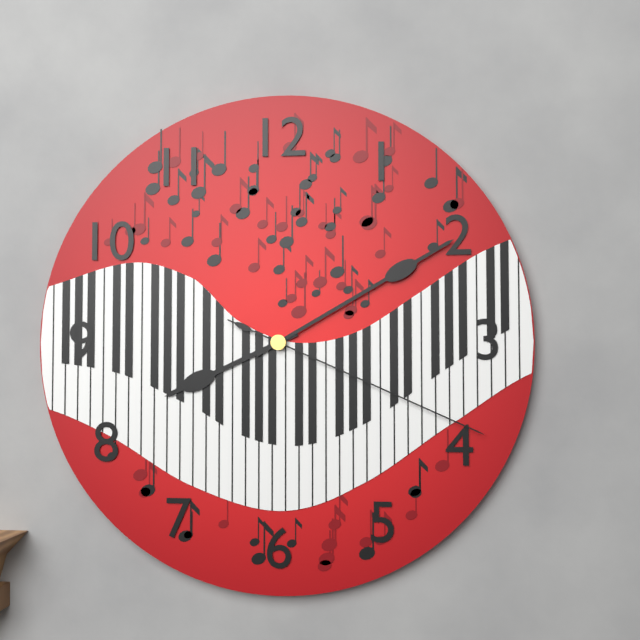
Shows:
8h10m19s
